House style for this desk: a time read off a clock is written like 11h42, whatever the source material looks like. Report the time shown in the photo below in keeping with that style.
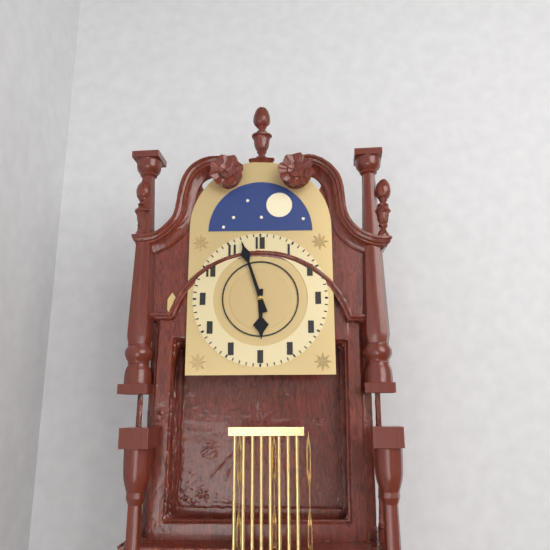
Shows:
5h57
